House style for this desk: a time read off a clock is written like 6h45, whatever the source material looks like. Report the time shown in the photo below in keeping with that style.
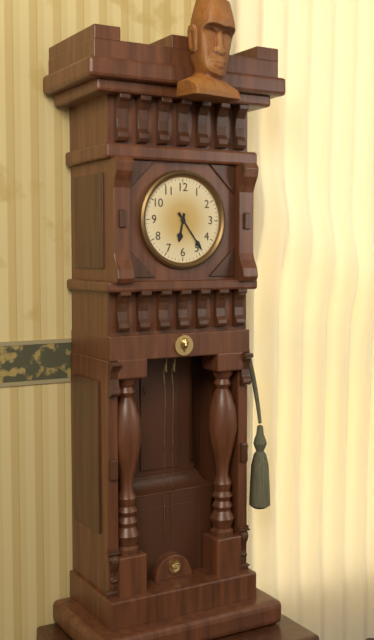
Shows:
6h24
